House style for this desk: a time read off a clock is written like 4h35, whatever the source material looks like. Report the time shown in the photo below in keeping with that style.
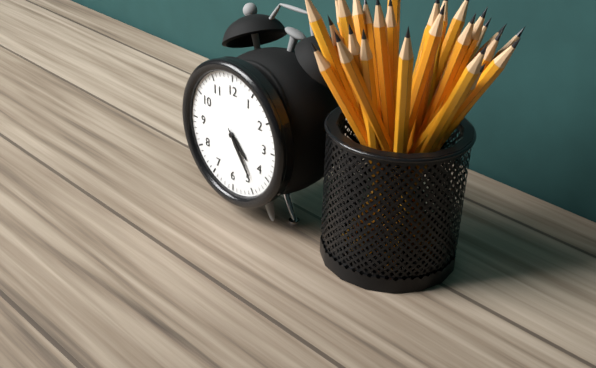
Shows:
4h24
